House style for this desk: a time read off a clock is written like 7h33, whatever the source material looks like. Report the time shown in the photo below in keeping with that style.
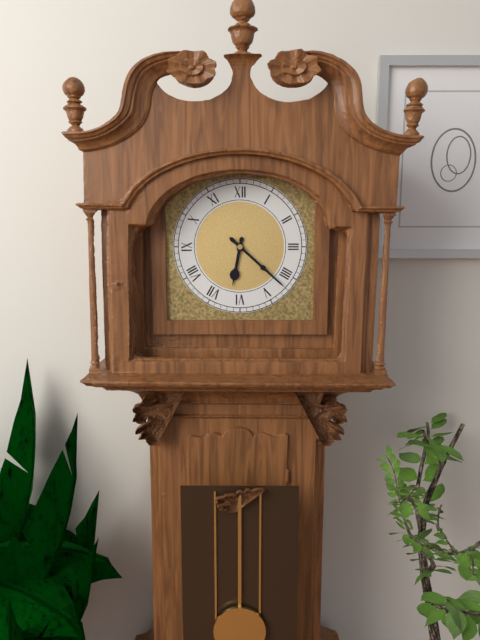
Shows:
6h22
